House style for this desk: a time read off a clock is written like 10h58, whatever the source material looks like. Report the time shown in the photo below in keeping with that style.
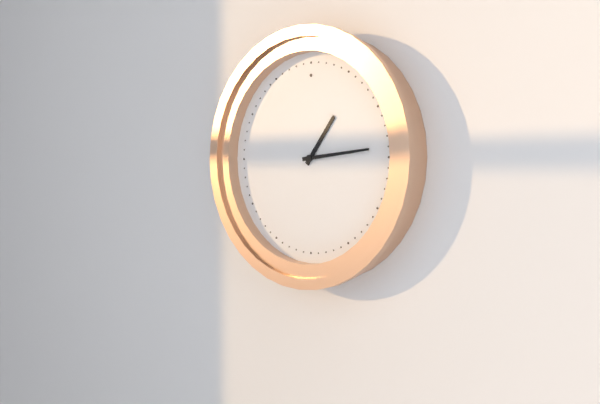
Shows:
1h14
